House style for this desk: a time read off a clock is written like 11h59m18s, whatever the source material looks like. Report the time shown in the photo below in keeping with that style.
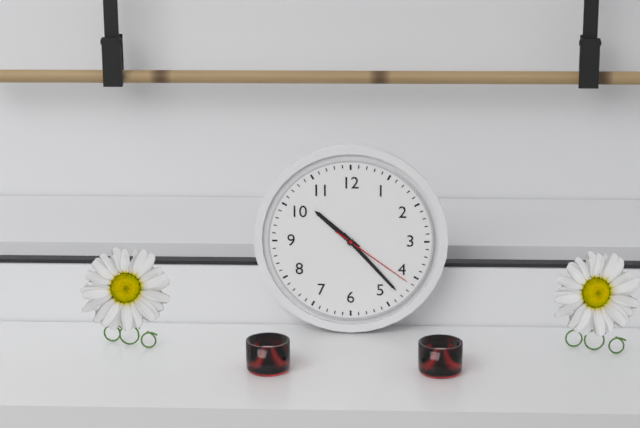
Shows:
10h23m21s
